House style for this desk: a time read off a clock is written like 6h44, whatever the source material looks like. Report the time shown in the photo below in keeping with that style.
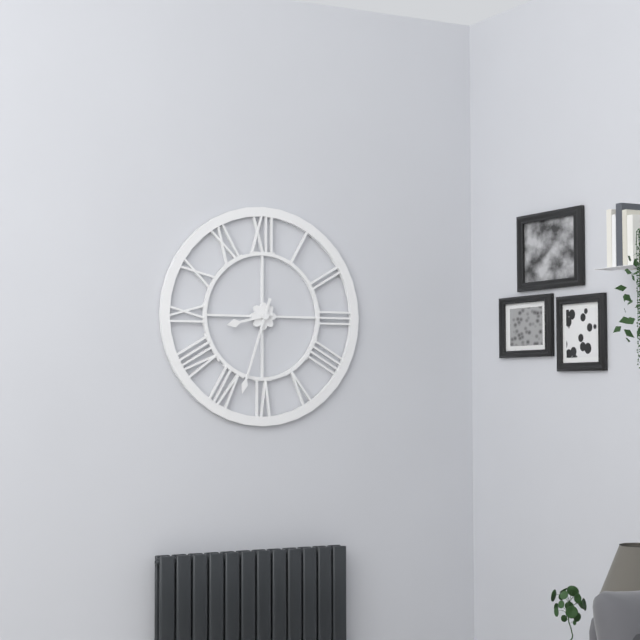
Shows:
8h33
